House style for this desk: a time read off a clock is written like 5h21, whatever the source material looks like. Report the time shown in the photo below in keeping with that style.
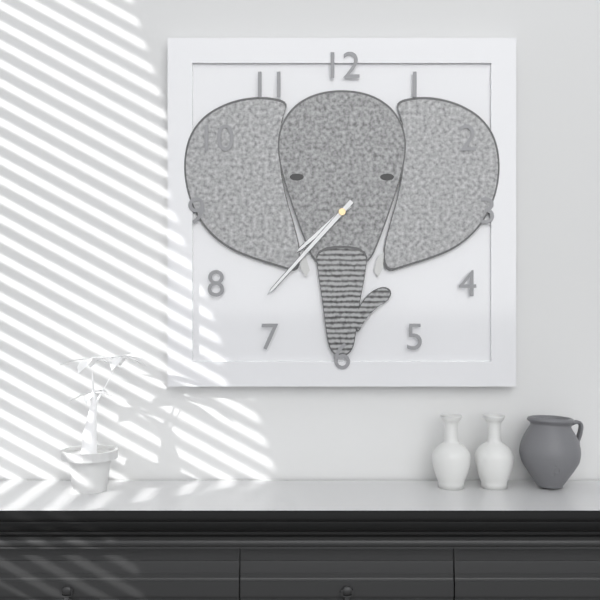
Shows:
7h37
